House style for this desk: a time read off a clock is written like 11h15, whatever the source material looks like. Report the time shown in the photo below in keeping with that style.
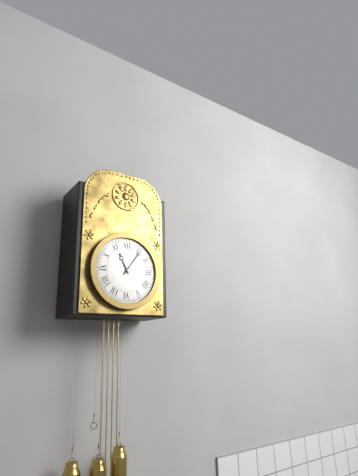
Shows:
11h06
